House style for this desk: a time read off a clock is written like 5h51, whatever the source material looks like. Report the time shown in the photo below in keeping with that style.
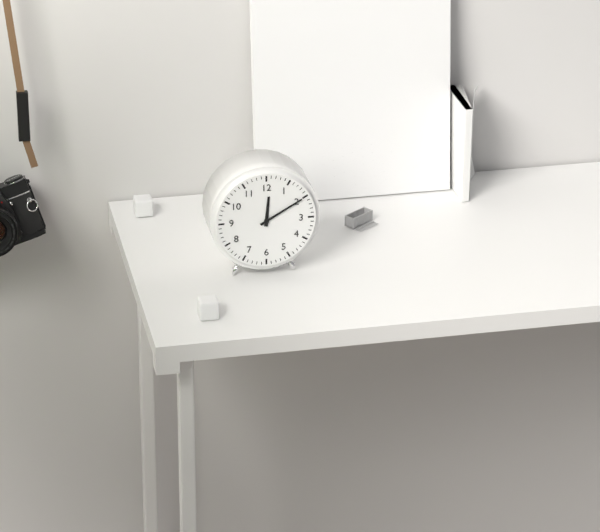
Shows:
12h10
